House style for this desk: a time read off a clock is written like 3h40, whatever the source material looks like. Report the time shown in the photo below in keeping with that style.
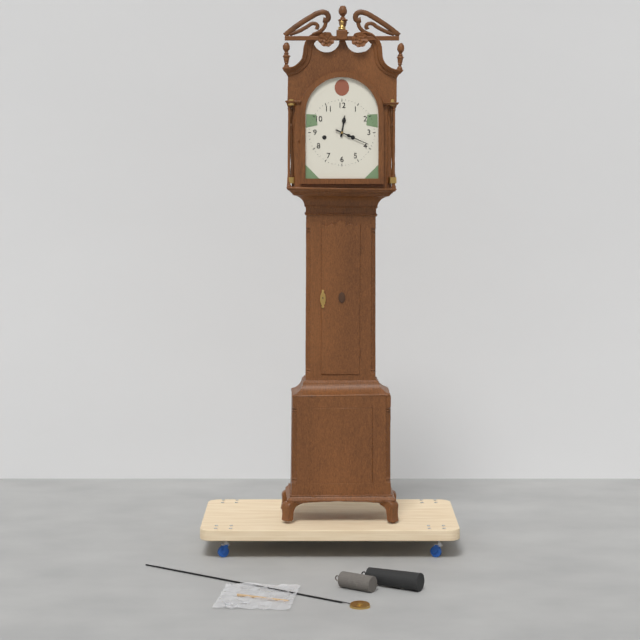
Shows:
12h19
